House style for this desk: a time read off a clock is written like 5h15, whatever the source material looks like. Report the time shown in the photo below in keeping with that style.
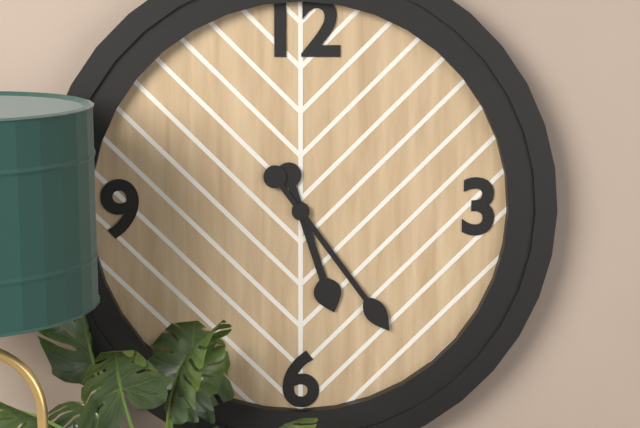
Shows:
5h24
